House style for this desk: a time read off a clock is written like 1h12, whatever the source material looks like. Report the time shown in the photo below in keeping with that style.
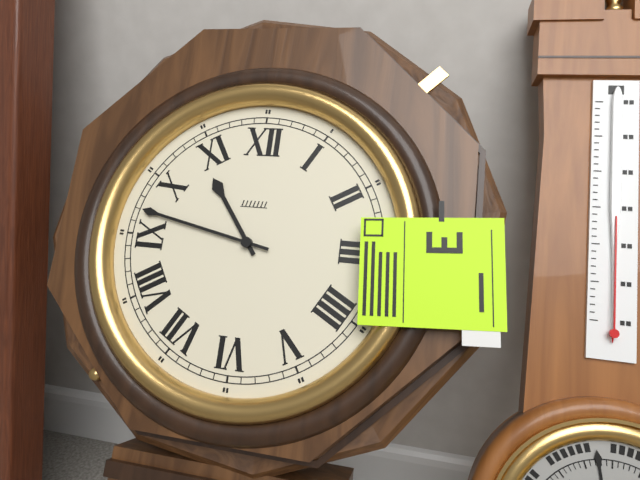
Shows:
10h47
